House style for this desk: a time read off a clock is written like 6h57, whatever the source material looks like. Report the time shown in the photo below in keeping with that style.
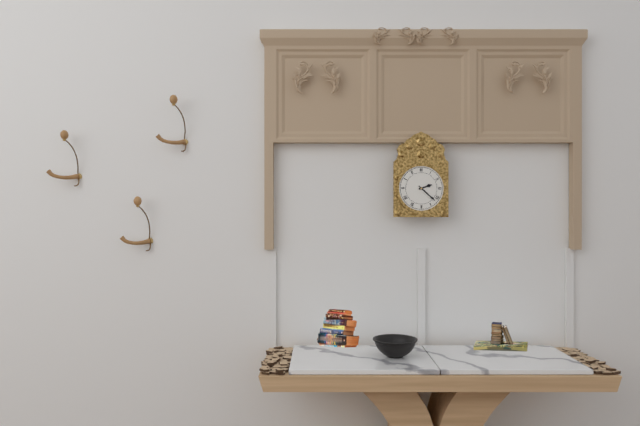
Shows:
2h22
